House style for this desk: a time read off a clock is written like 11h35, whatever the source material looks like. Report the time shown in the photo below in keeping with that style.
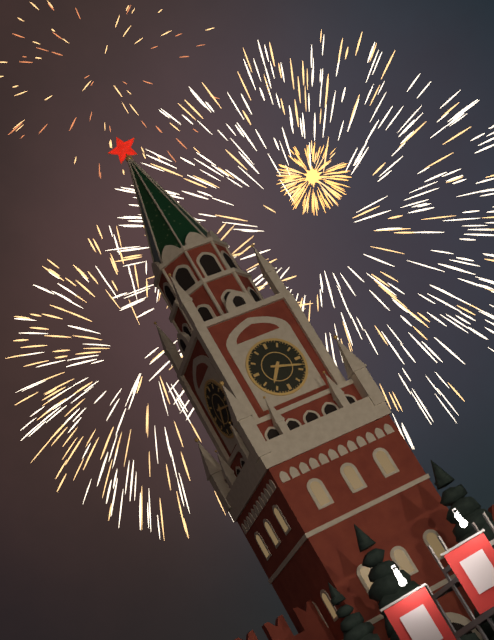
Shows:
7h18
